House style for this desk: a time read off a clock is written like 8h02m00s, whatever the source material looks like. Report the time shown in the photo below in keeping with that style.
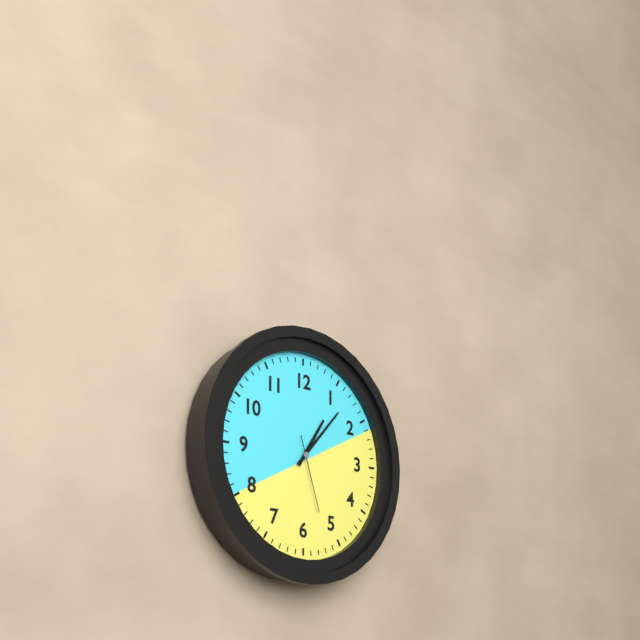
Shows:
1h07m27s
